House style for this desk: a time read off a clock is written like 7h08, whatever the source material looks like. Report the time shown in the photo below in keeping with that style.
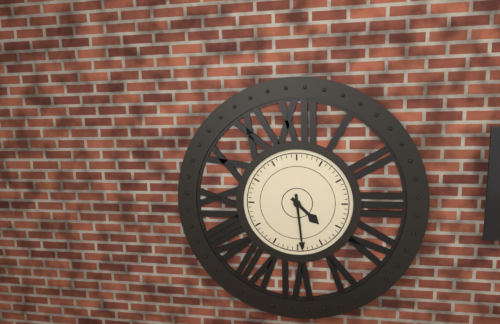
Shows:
4h29
